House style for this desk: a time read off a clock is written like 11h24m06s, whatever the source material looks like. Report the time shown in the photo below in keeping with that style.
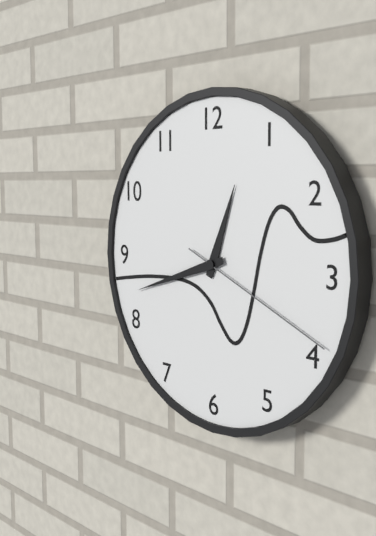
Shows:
12h42m19s
